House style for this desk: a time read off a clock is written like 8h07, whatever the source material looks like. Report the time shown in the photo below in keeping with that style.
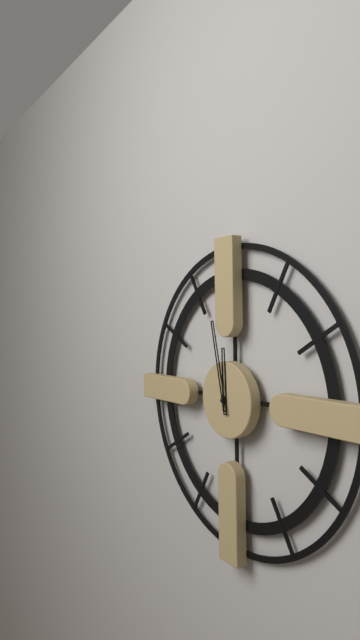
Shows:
11h58
